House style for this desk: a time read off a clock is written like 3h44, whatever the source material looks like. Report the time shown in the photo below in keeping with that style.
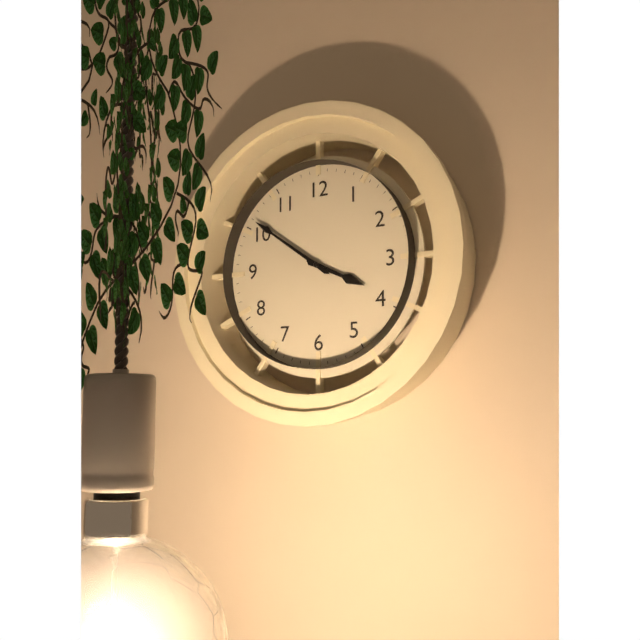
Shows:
3h51
